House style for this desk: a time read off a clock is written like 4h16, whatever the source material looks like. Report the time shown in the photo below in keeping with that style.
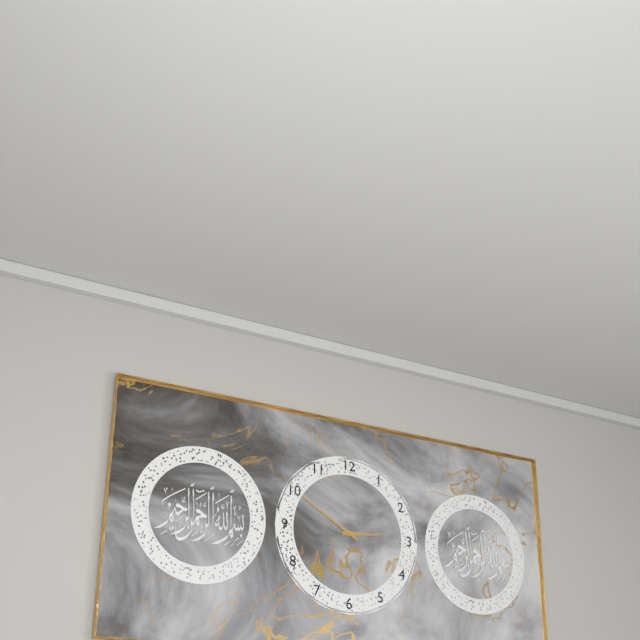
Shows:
2h50
